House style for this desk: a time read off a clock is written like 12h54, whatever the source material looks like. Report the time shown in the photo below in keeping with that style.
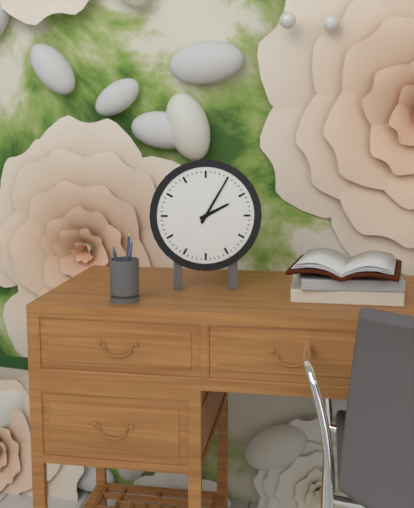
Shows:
2h05
